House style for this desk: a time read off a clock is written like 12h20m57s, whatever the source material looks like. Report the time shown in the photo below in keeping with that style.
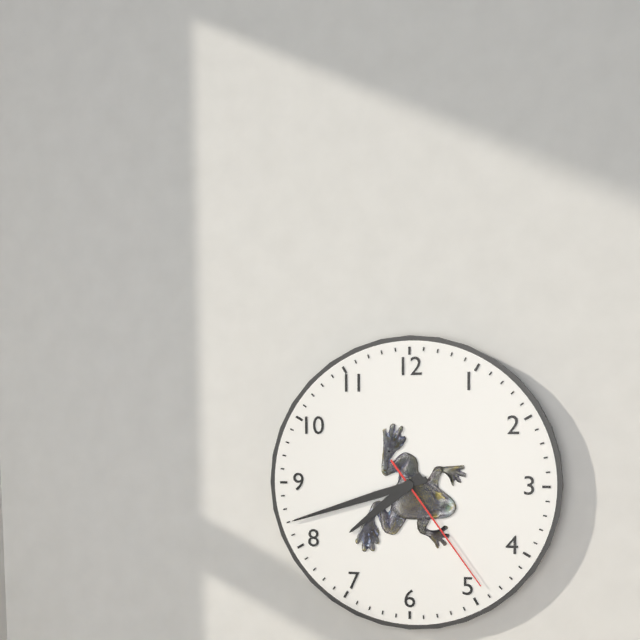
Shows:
7h42m24s
